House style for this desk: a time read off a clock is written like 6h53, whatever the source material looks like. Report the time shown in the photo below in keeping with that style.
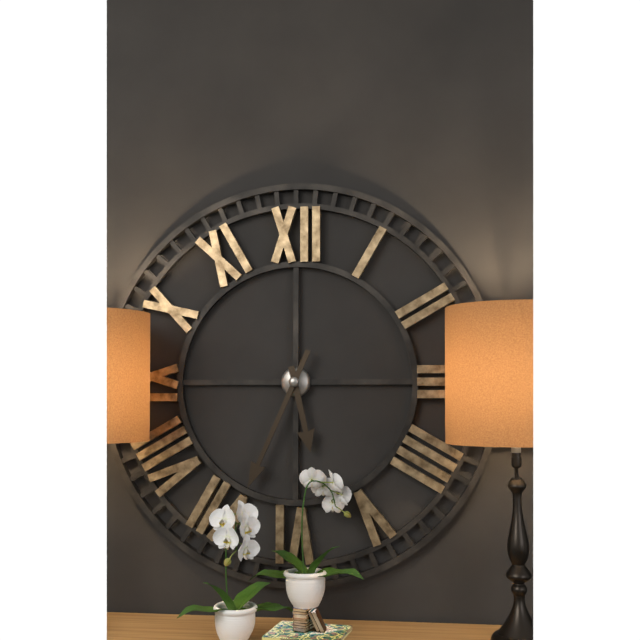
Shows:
5h34
